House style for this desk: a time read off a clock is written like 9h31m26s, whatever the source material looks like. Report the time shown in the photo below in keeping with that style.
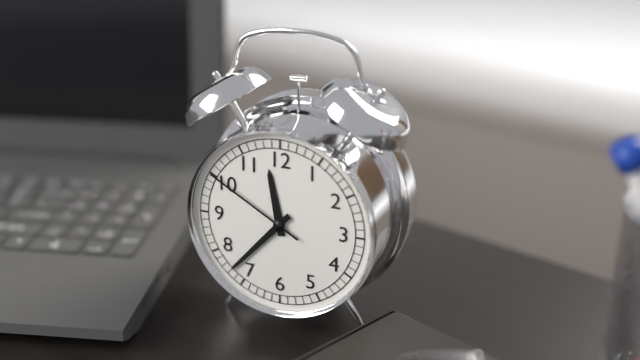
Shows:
11h37m50s
